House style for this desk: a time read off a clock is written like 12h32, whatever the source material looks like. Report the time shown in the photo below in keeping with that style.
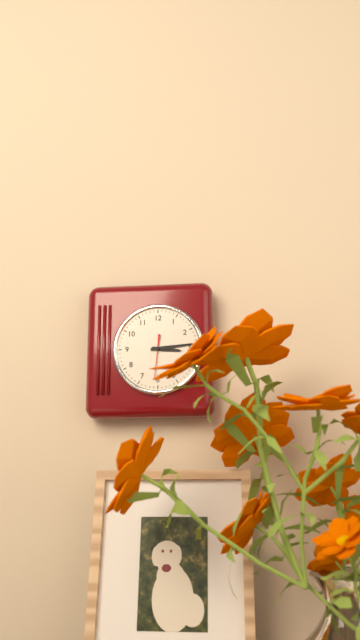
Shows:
3h14
